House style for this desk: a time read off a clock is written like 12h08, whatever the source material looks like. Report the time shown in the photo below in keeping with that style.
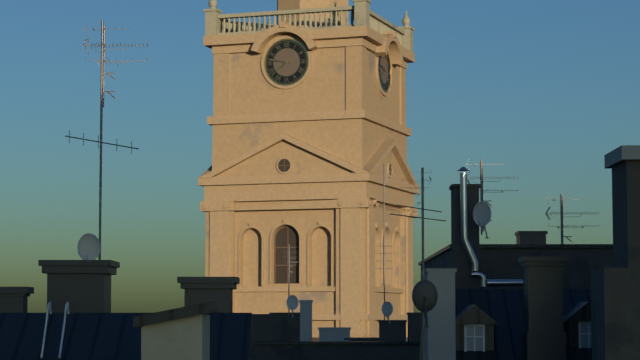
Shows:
7h47
